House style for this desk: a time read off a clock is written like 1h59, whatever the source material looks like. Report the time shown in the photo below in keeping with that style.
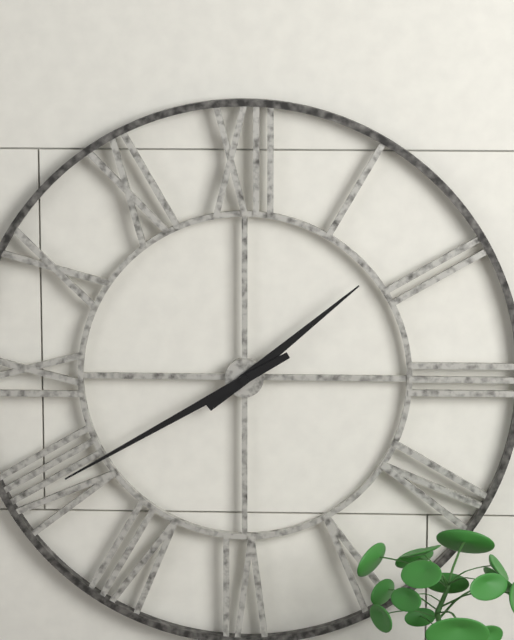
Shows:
1h40
